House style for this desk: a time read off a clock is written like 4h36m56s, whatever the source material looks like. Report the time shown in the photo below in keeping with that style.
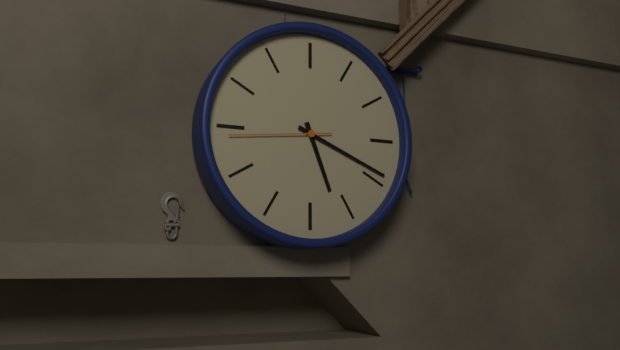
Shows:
5h19m44s
